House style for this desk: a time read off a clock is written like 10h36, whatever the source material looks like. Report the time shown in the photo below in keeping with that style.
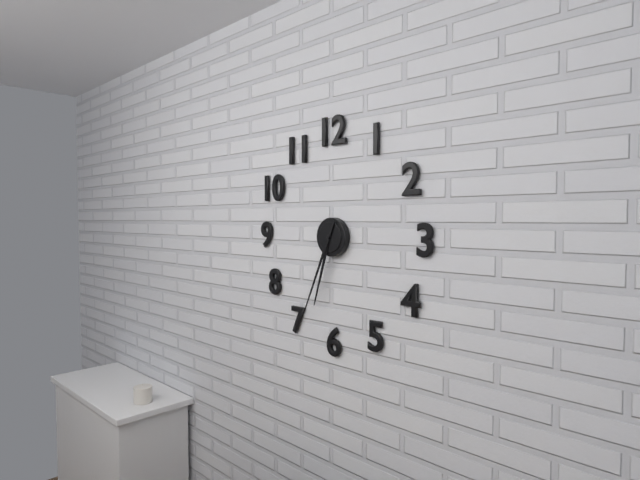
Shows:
6h34
